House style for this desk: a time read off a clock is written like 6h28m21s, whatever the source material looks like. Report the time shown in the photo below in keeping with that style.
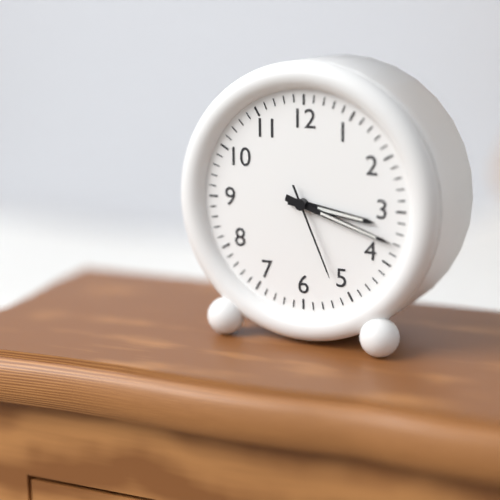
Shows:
3h18m26s
